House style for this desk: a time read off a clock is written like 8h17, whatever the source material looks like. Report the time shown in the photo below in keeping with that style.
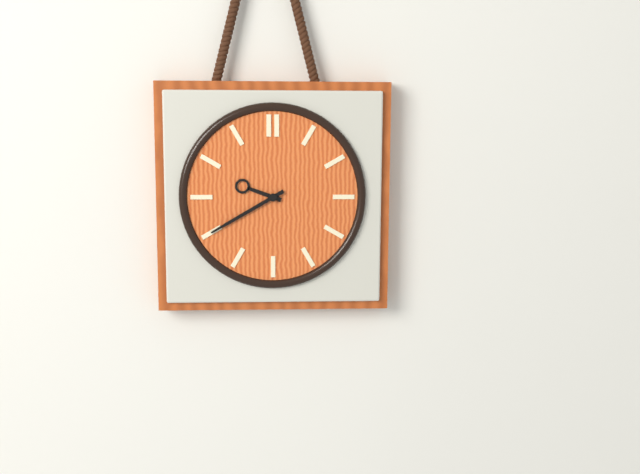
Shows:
9h40
